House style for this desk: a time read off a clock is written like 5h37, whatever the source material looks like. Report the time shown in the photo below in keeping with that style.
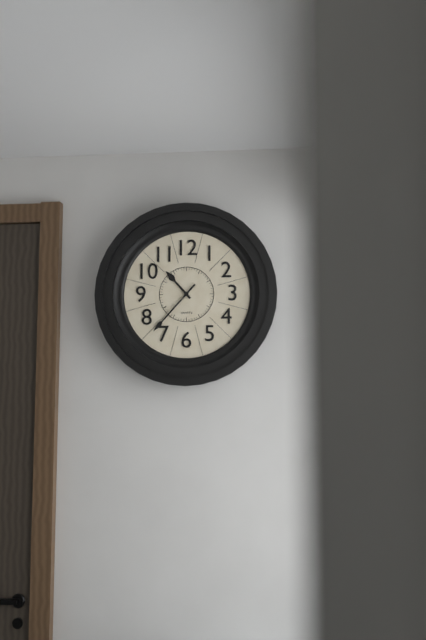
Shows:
10h37
